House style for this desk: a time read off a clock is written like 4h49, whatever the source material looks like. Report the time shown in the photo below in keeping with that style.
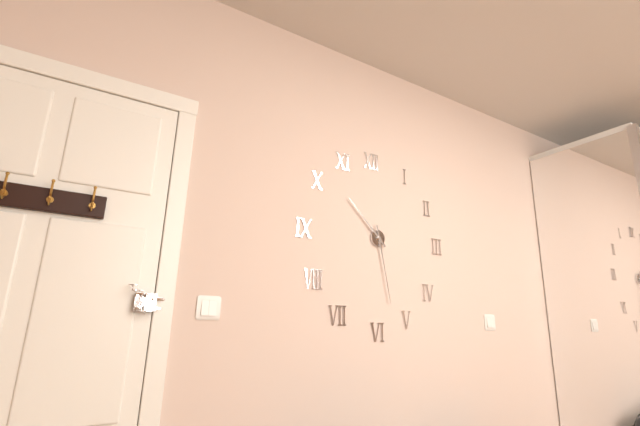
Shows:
10h28
